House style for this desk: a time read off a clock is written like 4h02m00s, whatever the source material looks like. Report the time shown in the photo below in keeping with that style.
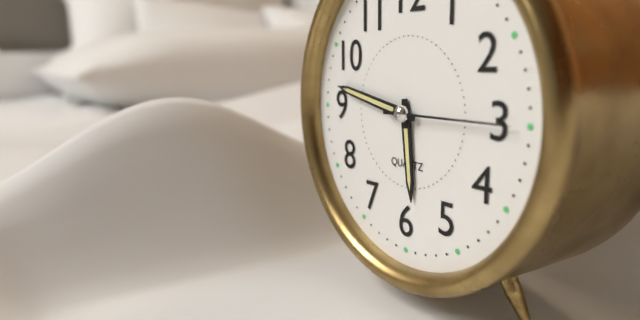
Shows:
5h47m15s
